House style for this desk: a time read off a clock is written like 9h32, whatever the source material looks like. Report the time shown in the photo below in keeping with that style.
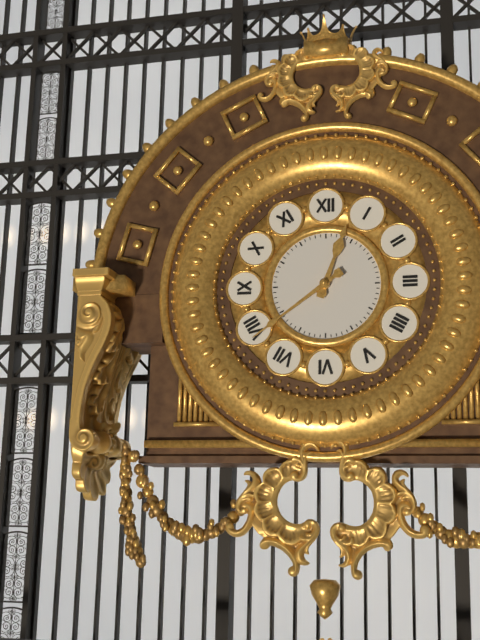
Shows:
12h39
